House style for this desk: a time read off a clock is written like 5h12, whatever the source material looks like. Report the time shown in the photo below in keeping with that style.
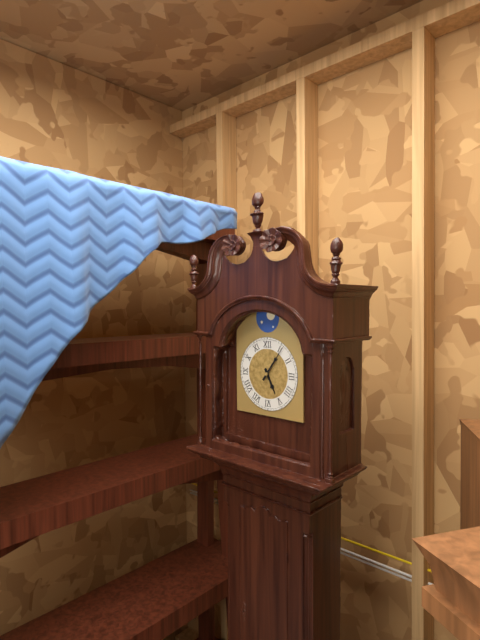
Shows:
5h06
